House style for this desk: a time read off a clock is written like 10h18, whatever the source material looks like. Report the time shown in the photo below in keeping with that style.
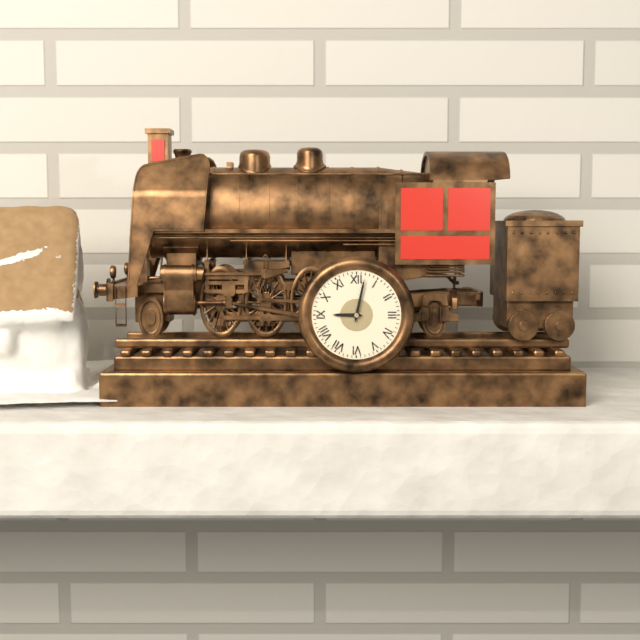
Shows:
9h02
